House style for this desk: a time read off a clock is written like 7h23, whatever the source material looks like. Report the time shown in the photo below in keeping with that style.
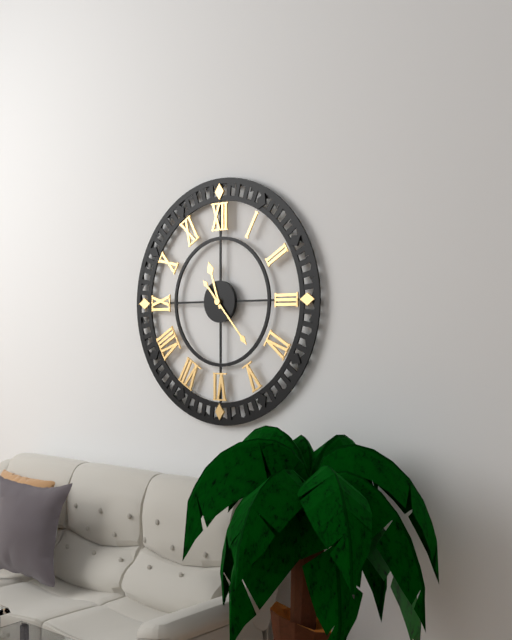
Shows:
11h23
